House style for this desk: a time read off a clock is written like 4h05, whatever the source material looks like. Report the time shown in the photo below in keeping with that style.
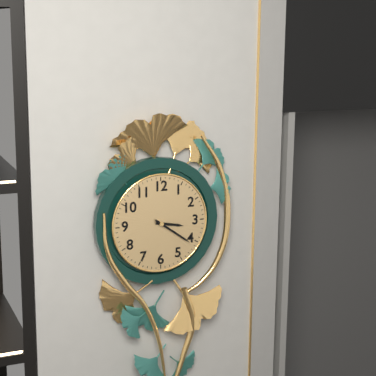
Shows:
3h21
